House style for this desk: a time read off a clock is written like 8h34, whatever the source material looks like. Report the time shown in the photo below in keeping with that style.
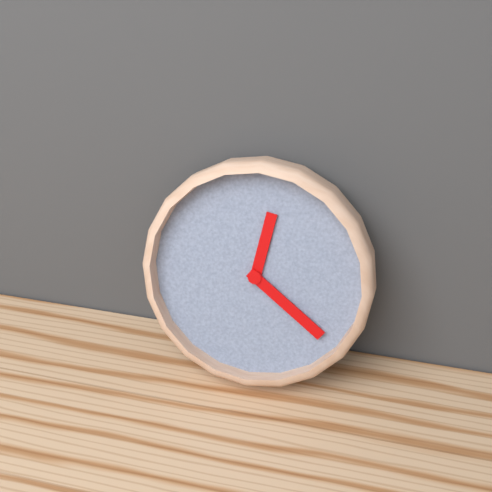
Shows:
12h21
